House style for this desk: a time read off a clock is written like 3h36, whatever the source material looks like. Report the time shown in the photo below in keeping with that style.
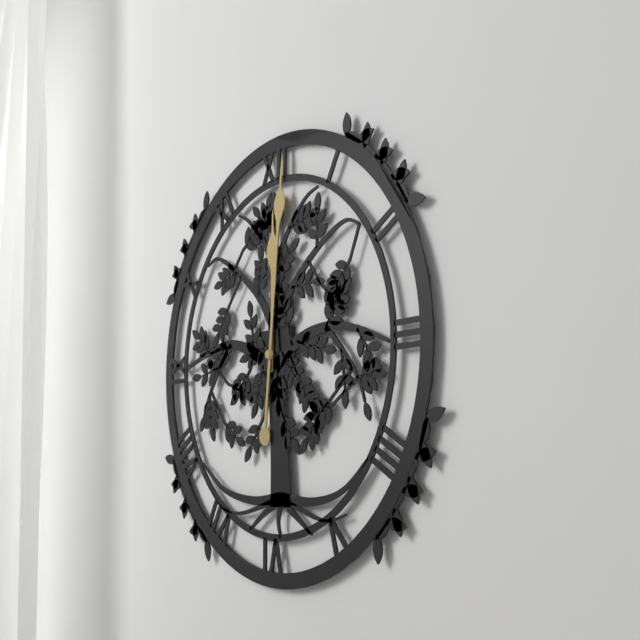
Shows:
12h01
